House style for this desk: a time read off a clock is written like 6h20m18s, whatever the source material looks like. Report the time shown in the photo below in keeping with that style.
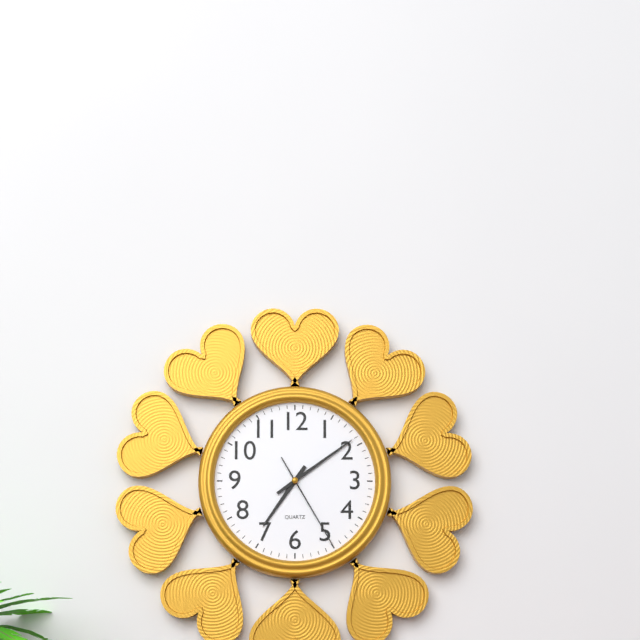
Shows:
7h09m25s
